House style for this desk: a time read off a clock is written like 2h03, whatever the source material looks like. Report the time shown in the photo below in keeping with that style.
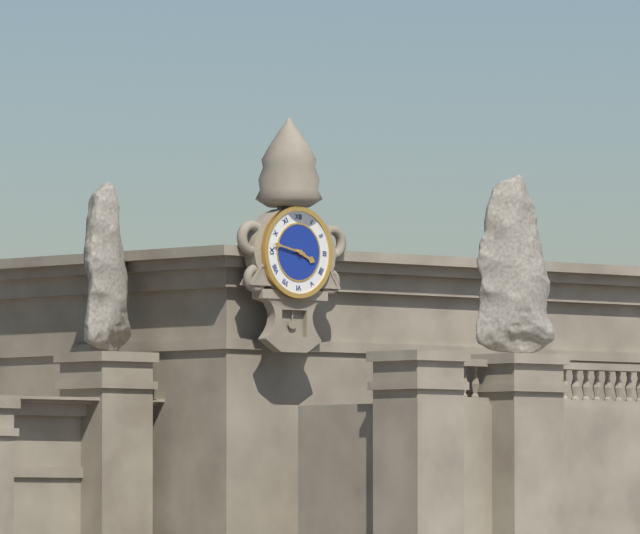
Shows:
3h47
